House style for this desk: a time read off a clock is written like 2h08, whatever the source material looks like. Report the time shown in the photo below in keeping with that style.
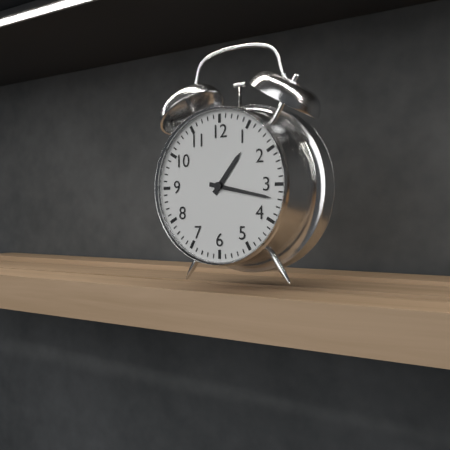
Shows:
1h17
